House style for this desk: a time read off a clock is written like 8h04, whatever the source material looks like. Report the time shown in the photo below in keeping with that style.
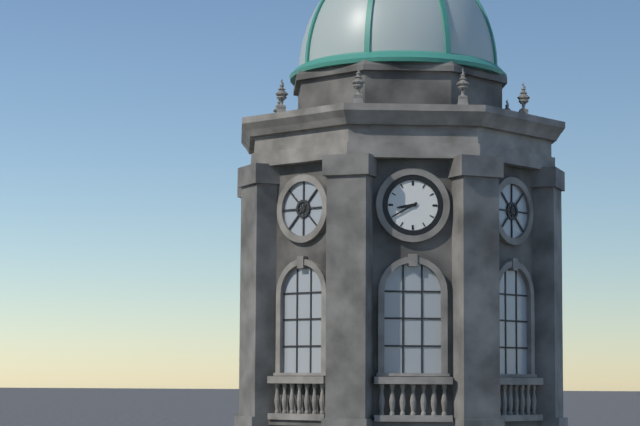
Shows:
8h40
